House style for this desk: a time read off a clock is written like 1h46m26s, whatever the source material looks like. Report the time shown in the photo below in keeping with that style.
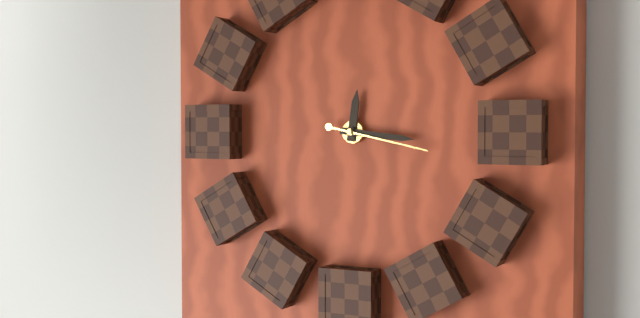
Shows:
12h16m17s
